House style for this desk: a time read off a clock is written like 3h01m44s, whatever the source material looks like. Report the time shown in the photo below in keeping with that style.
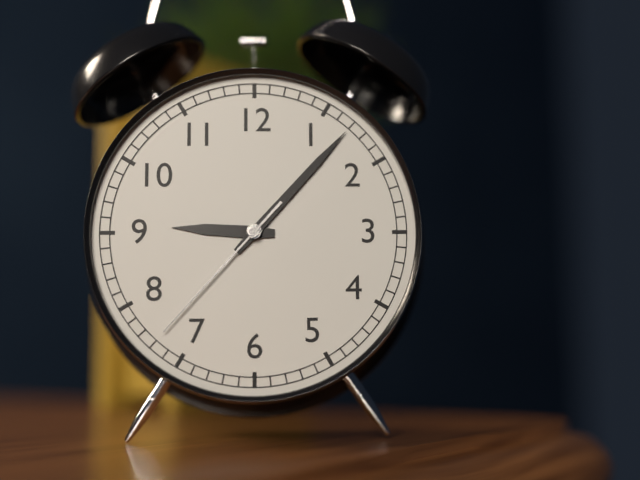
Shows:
9h07m37s
